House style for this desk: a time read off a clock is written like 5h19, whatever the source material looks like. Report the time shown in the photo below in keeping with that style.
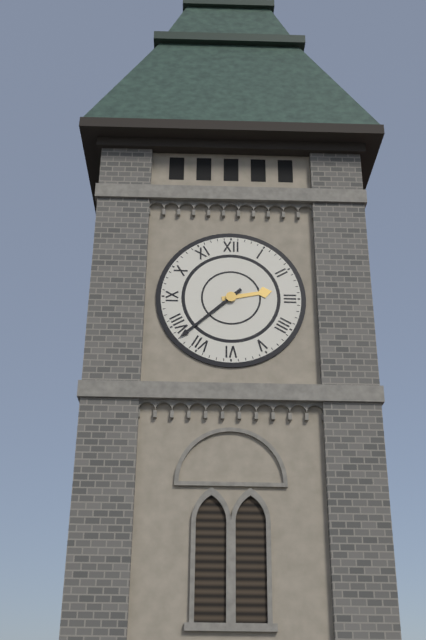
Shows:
2h38
